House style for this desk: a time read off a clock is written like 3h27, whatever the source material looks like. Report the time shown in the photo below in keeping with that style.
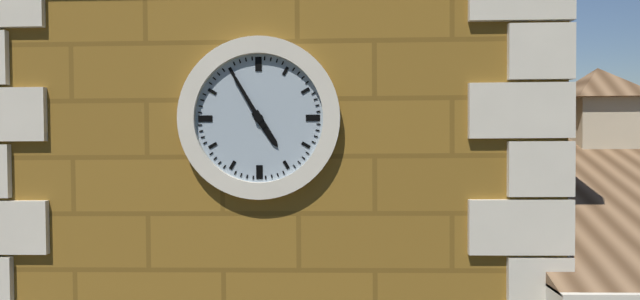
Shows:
4h55
